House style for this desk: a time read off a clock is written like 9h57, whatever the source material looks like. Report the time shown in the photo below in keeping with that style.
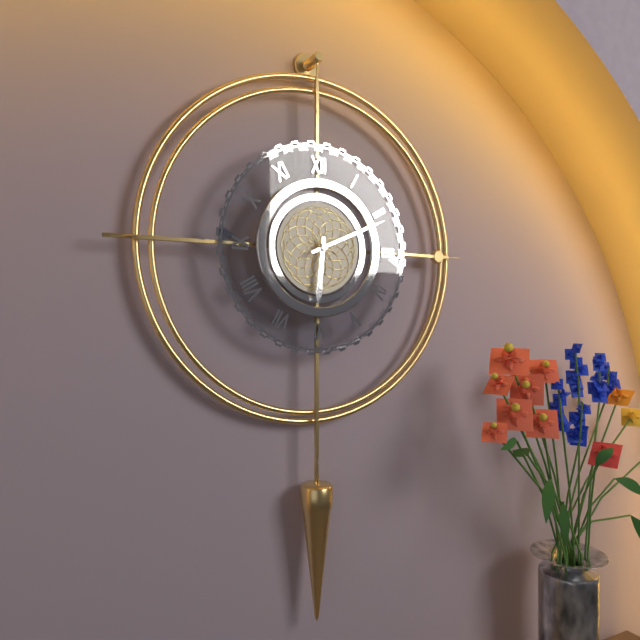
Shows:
6h11
